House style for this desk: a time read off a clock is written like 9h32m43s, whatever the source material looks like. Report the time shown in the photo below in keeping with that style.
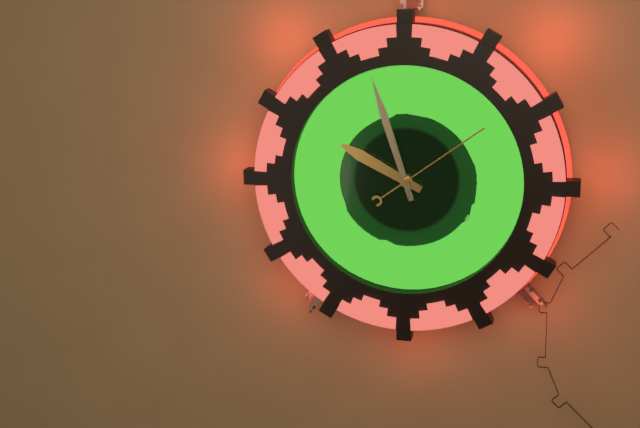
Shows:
9h57m09s
